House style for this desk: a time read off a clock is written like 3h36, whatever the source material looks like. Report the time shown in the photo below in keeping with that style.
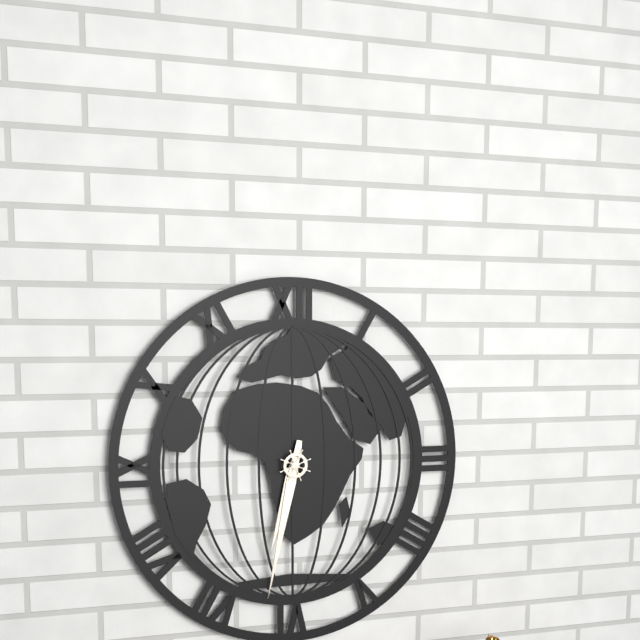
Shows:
6h32
